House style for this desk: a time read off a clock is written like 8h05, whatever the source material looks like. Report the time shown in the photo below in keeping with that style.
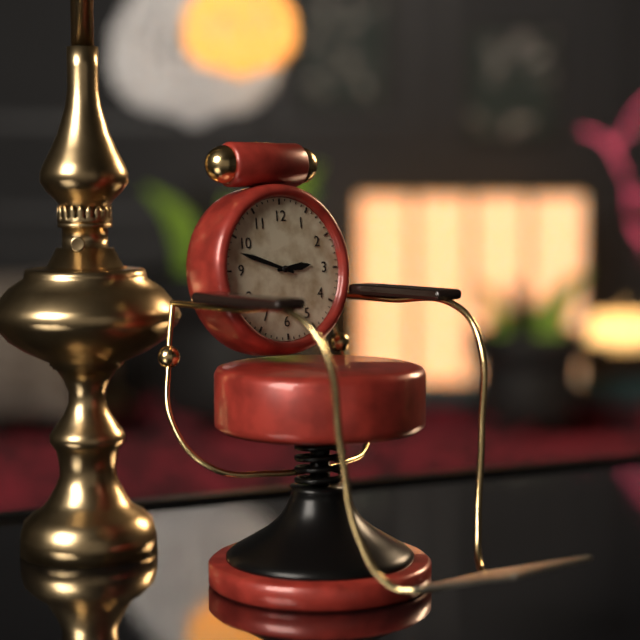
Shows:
2h48
